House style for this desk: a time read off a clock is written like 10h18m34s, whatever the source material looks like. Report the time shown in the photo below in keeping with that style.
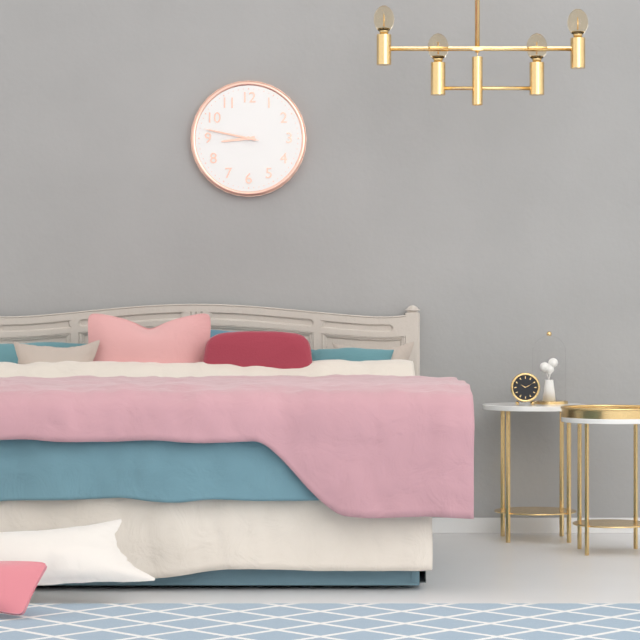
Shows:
8h47m47s
